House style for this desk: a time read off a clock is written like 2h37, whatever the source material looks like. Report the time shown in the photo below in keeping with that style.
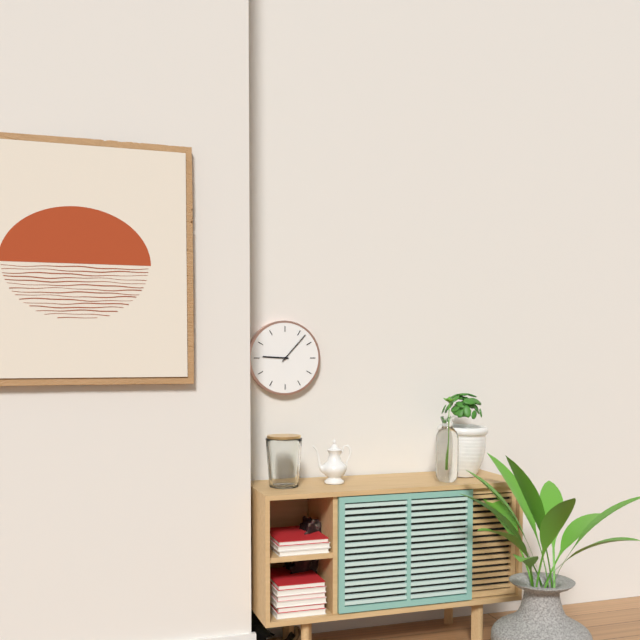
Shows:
9h07
